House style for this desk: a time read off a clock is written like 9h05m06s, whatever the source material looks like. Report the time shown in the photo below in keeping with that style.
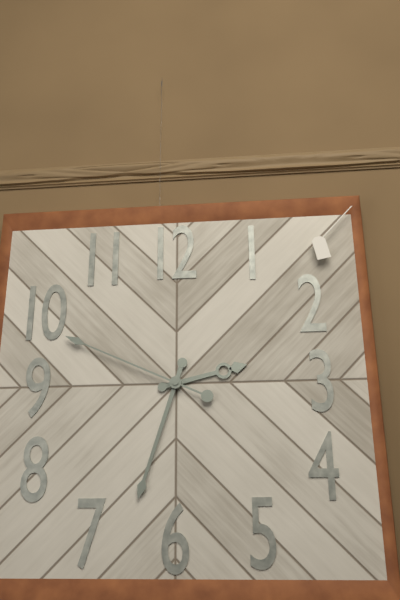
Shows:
2h33m49s
